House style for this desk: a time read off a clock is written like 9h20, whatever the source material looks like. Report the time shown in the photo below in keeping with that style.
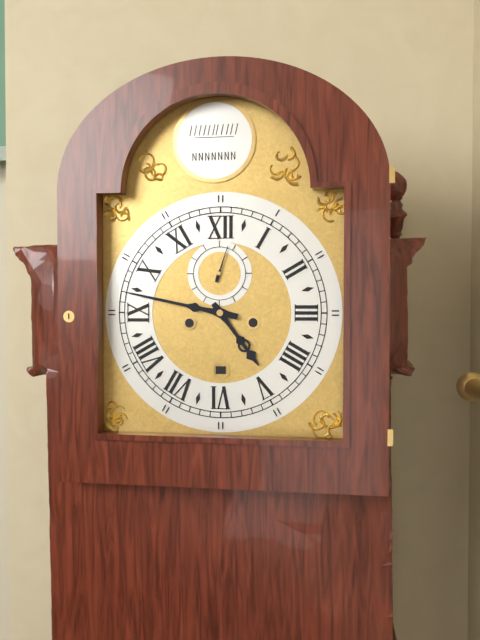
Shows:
4h47
